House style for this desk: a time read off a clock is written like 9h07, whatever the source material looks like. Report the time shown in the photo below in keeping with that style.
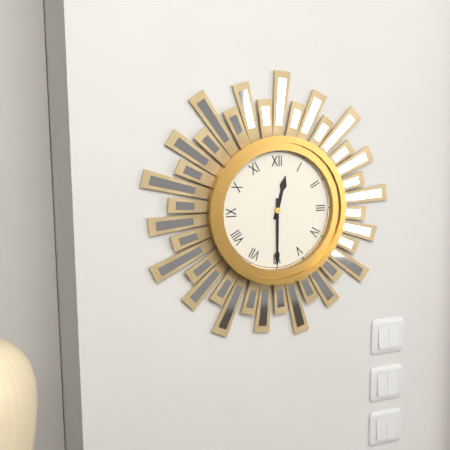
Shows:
12h30
